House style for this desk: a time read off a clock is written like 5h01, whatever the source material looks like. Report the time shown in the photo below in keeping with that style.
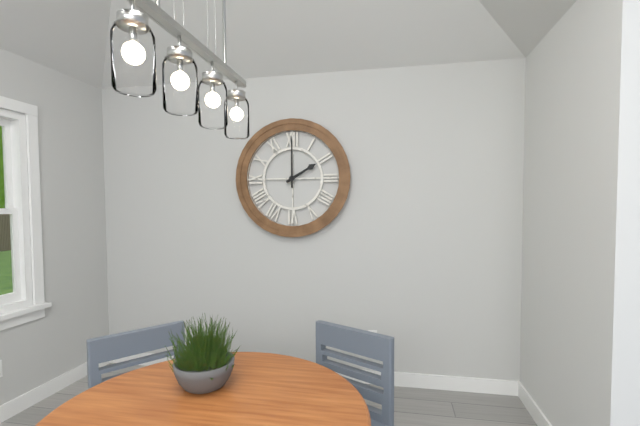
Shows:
2h00
